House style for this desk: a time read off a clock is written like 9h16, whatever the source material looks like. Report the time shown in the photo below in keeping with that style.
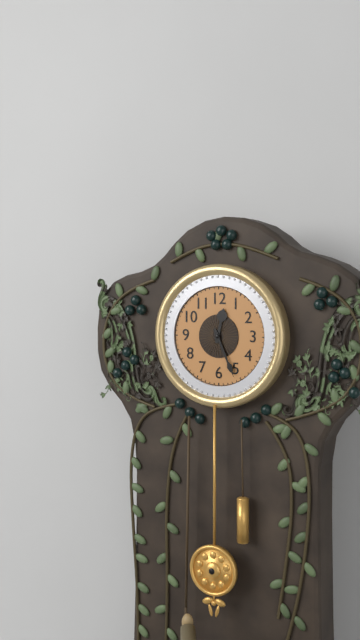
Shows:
12h26
